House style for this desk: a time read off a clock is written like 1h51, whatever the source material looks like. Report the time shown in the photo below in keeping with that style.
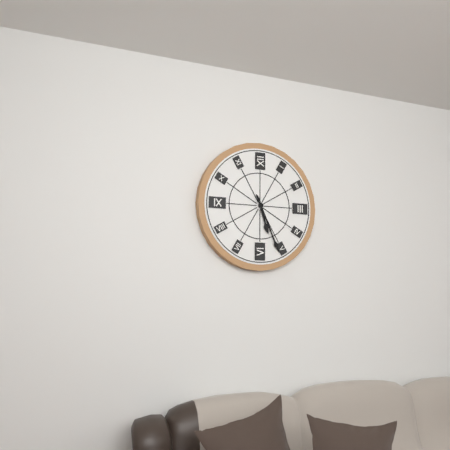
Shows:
5h26
